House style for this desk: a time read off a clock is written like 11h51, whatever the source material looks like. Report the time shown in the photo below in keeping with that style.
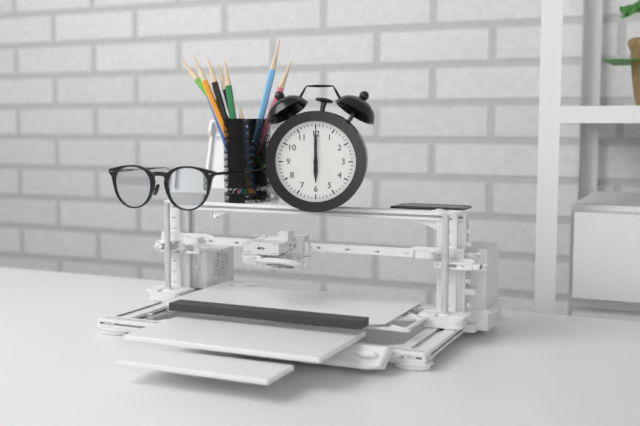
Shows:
6h00
